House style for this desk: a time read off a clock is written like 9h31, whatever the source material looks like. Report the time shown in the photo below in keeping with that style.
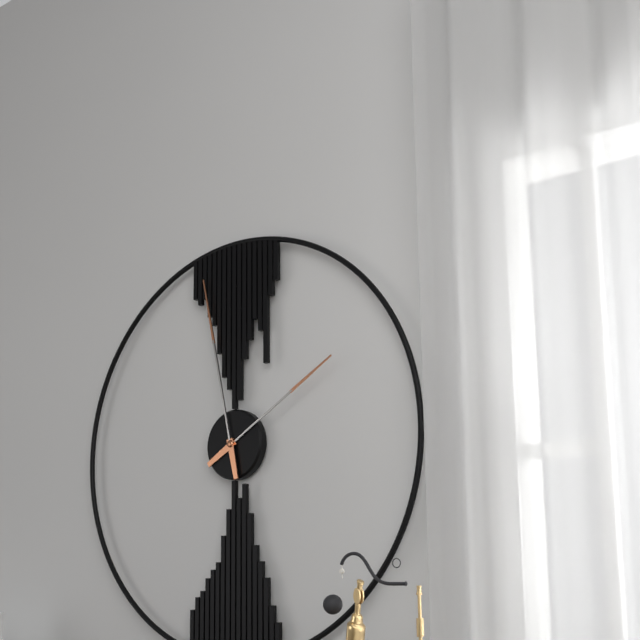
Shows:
1h58
